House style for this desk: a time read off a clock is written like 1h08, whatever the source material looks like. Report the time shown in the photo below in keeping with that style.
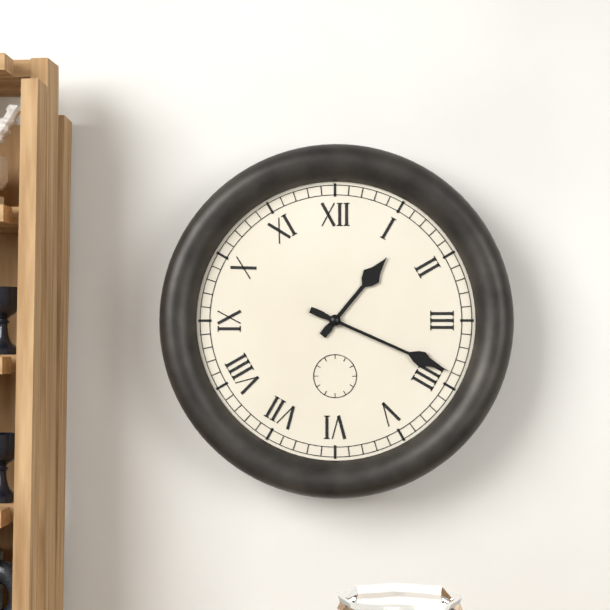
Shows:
1h19
